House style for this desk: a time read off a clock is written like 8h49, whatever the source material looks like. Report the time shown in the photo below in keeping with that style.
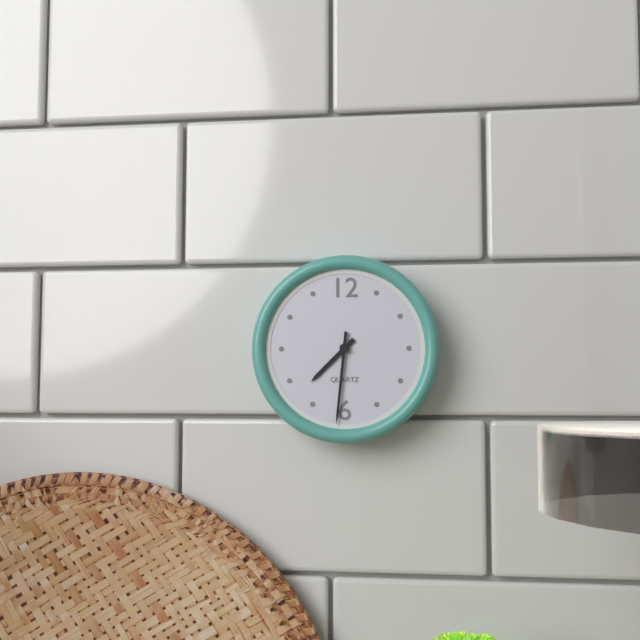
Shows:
7h31
